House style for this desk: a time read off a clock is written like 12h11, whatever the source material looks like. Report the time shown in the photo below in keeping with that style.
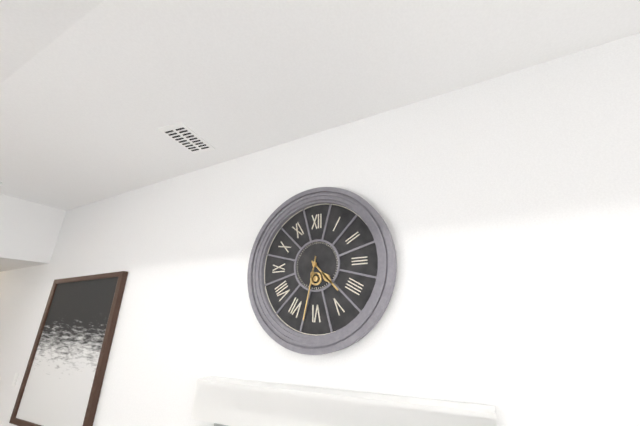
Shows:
4h32
